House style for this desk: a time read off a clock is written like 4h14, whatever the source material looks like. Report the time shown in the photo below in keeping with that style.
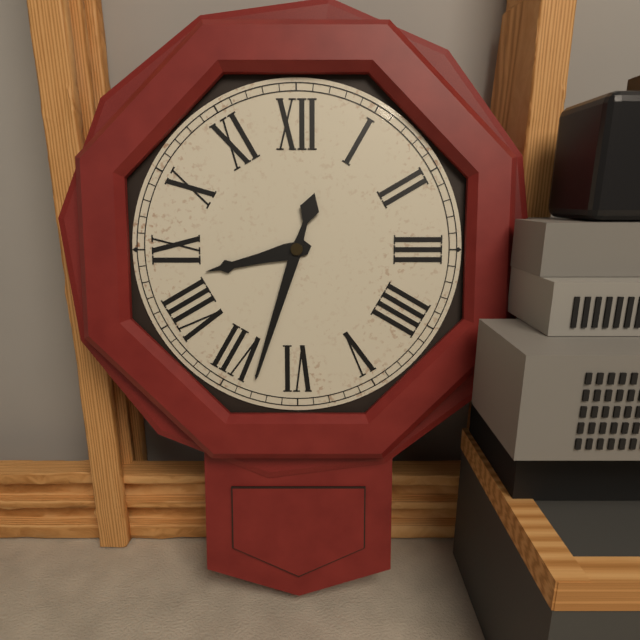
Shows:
8h33
